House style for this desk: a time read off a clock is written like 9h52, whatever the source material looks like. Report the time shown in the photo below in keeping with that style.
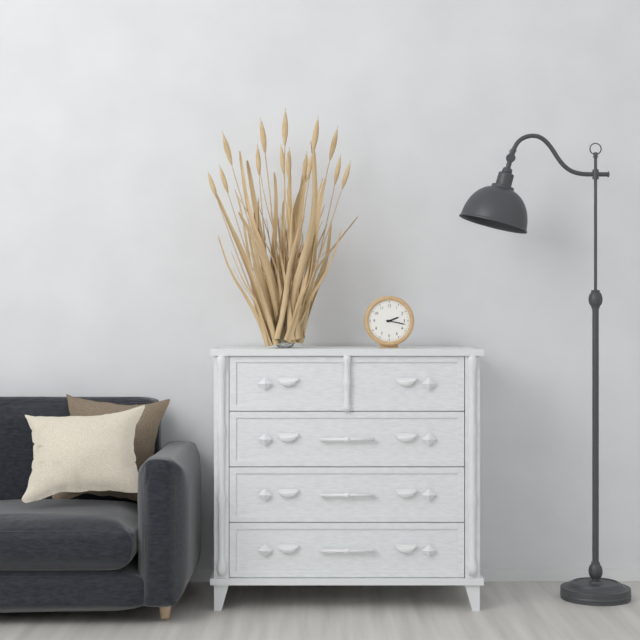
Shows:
2h17
